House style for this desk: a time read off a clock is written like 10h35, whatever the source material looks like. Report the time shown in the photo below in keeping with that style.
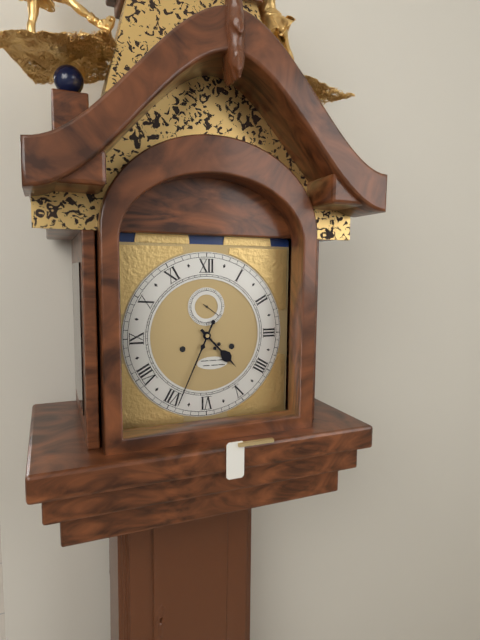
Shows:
4h34
